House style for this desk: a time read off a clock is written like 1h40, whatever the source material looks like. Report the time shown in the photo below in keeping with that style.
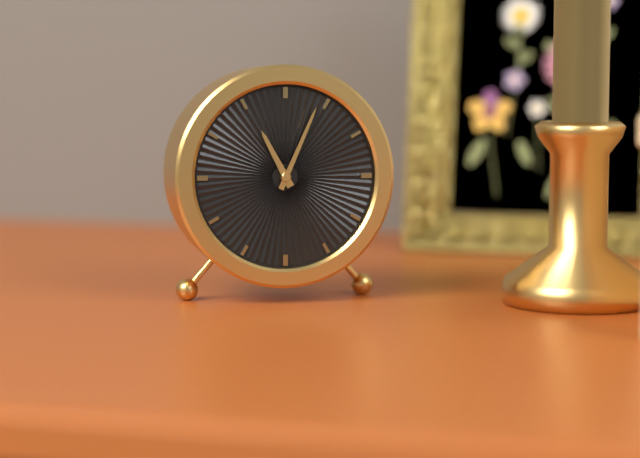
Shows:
11h04
